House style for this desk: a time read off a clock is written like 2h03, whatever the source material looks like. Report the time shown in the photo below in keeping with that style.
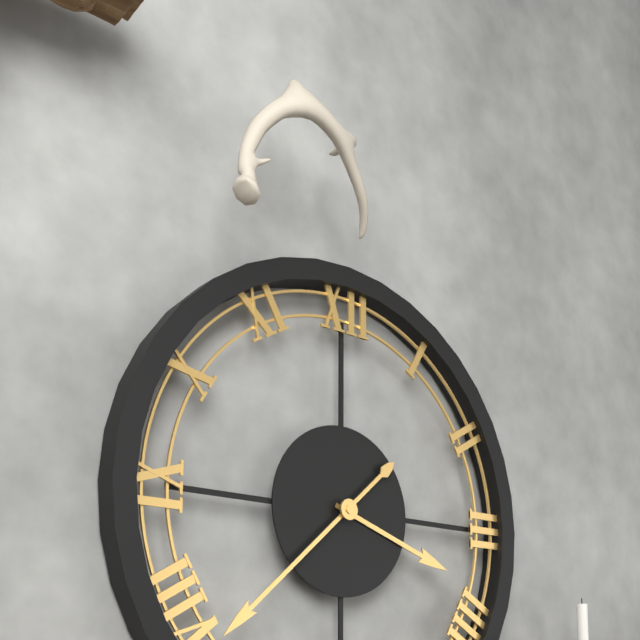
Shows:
3h38
